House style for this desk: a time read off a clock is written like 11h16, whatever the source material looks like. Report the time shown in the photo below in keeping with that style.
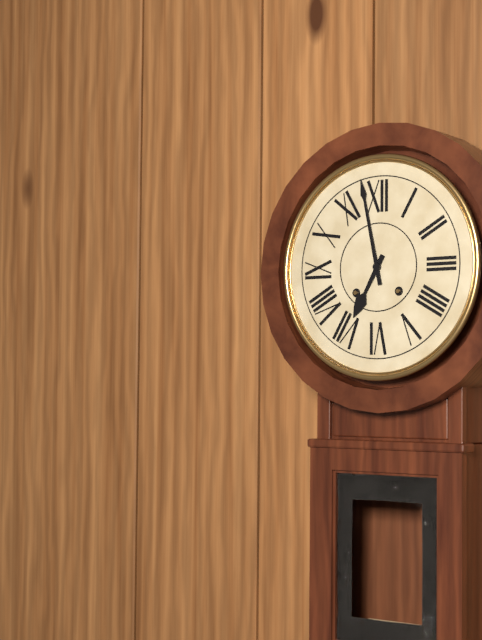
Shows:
6h58
